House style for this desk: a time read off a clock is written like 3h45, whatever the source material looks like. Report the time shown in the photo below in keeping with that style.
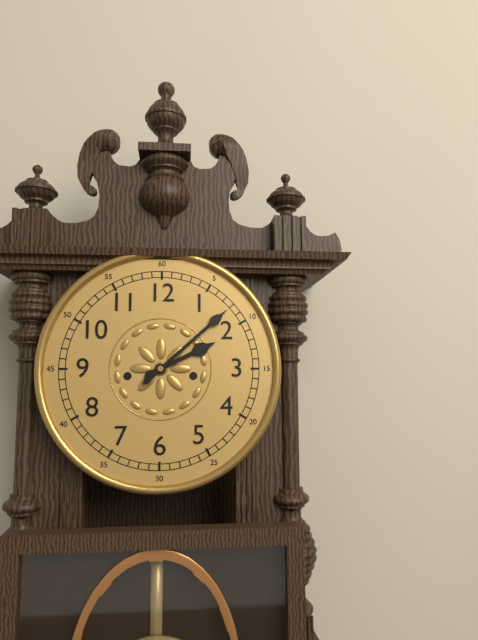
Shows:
2h08
